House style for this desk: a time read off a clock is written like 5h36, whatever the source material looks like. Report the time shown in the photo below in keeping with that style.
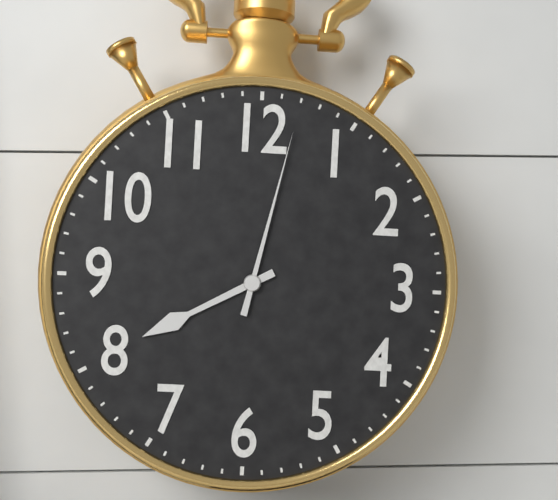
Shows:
8h02
